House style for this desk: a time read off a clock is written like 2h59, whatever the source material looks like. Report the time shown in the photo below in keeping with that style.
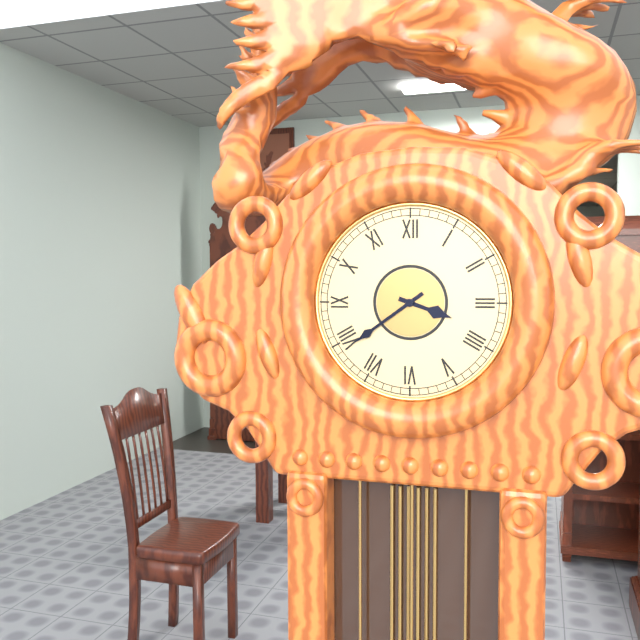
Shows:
3h39
